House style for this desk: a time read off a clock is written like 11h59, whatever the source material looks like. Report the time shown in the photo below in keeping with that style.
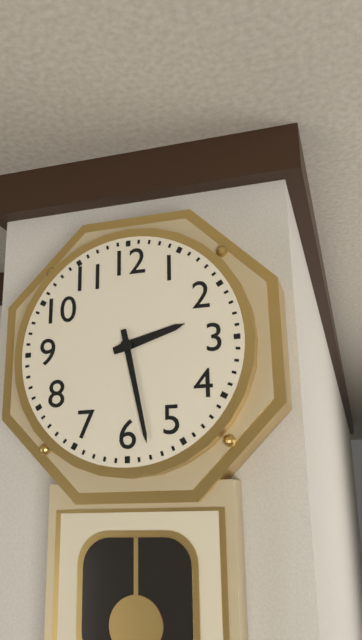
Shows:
2h28
